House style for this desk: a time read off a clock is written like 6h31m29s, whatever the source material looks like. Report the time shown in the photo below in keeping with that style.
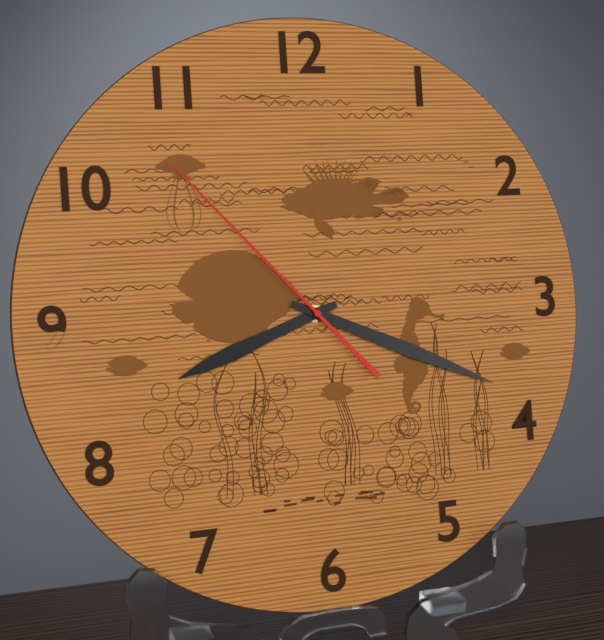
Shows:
8h19m53s
